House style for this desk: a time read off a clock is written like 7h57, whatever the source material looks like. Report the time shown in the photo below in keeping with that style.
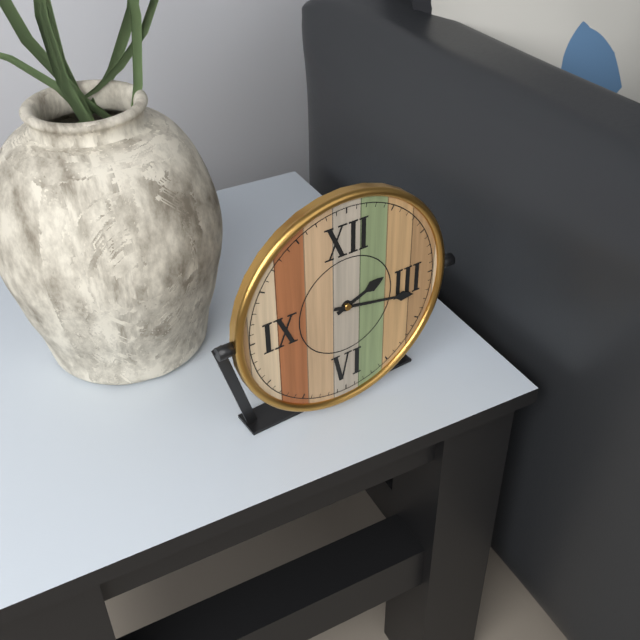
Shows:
2h17
